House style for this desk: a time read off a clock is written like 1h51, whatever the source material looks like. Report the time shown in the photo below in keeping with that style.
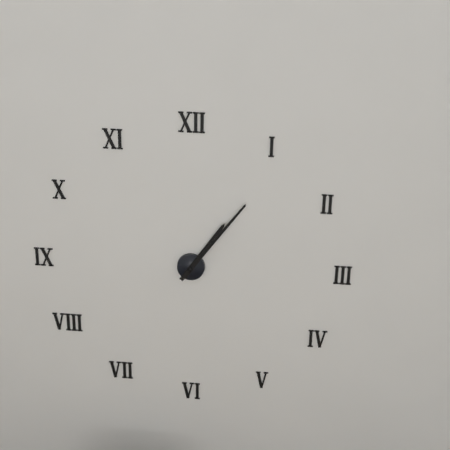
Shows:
1h06
